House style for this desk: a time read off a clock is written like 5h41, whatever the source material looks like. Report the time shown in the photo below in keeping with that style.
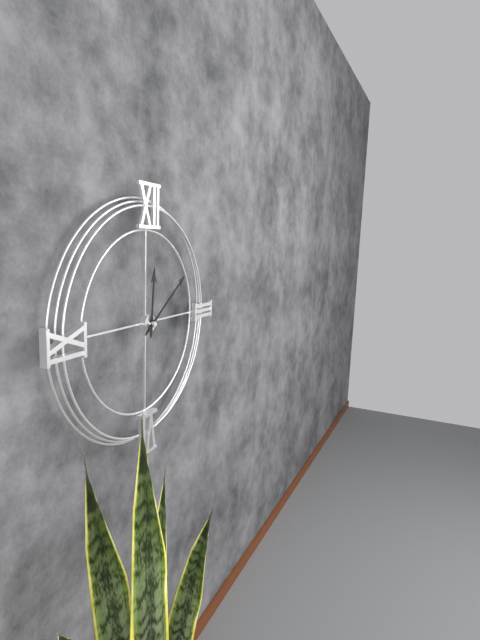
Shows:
12h09
